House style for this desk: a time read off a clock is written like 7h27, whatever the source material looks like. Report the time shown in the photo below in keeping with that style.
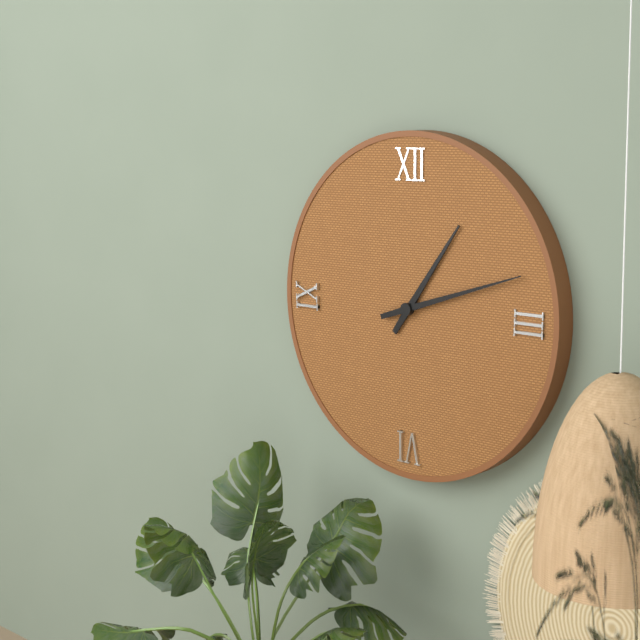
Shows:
1h12
